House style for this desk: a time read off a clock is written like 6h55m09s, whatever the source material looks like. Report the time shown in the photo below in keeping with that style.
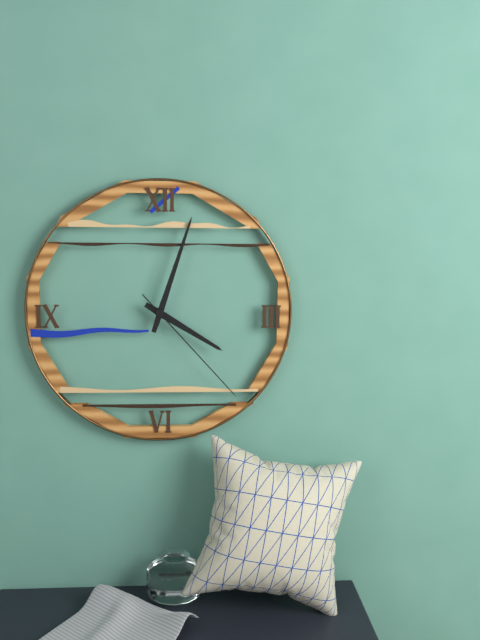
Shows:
4h03m23s
